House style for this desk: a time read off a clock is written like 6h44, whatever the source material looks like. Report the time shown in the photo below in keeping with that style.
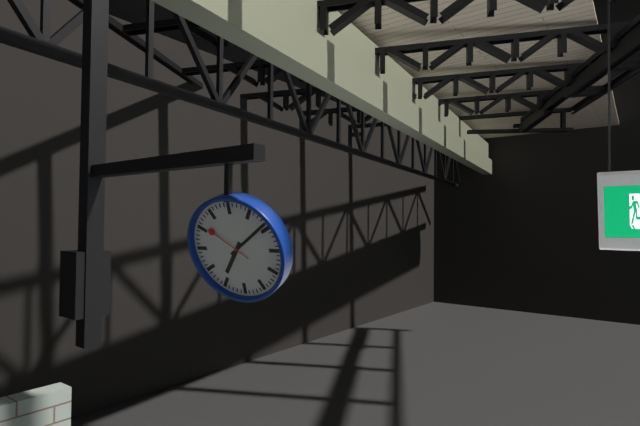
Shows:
7h09
